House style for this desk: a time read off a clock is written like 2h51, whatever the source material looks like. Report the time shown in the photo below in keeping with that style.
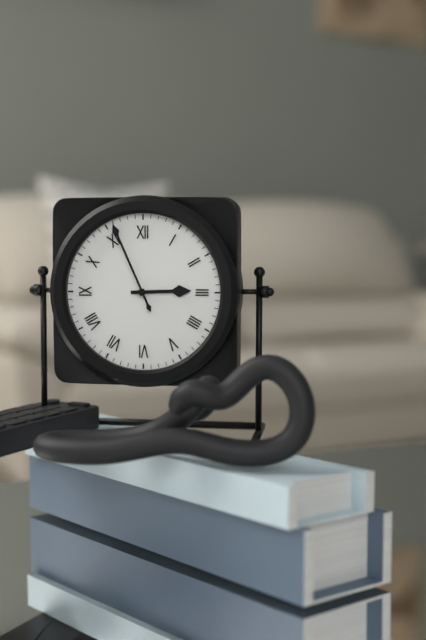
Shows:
2h56
